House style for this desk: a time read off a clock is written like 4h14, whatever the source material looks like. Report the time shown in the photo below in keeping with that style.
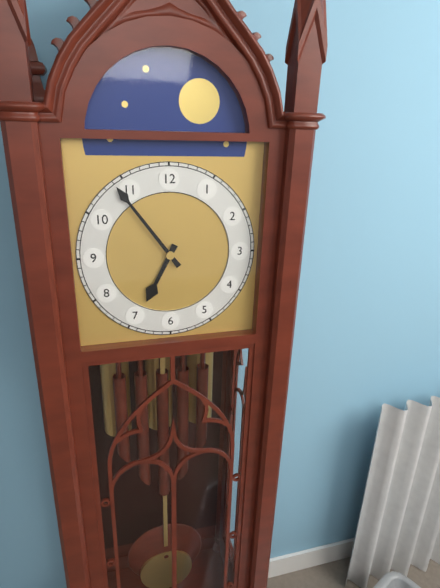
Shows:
6h54
